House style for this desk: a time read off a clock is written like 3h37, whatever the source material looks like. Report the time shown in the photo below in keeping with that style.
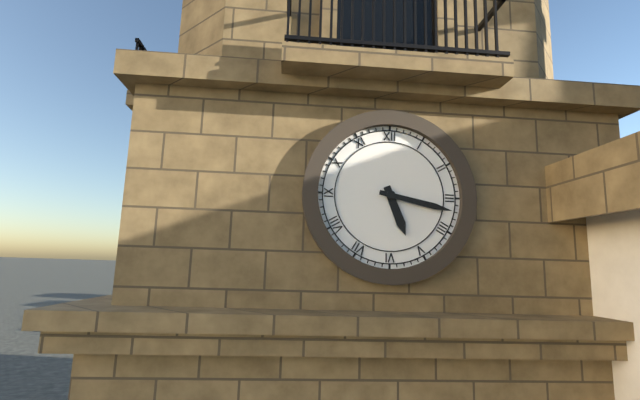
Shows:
5h17
